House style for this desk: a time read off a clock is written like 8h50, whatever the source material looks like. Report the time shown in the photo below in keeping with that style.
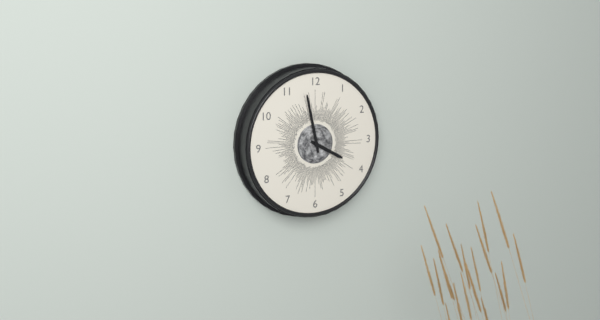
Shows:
3h58
